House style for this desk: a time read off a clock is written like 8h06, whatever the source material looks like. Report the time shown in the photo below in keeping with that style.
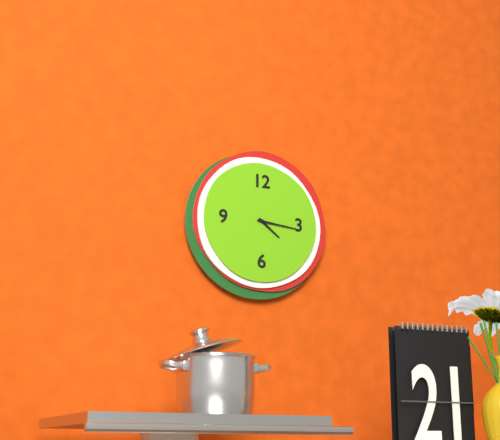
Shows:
4h16
